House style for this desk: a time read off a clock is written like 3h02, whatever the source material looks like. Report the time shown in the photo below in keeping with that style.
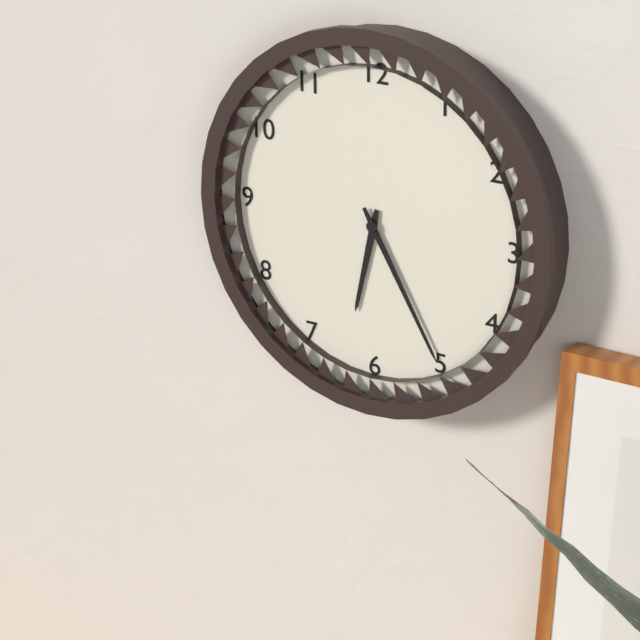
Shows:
6h25
